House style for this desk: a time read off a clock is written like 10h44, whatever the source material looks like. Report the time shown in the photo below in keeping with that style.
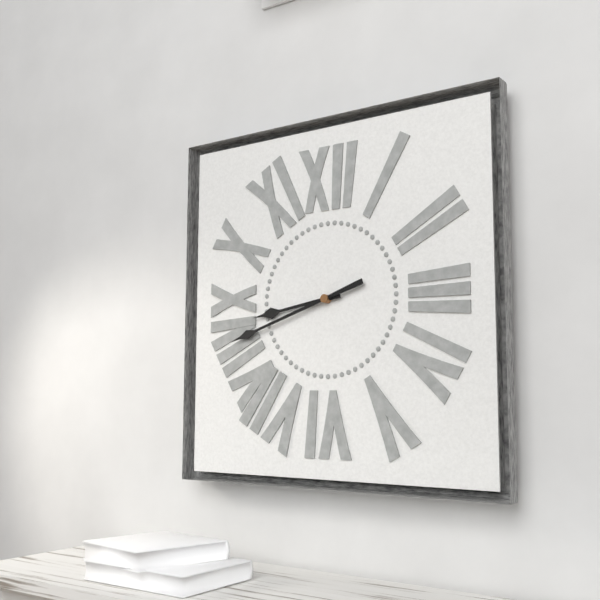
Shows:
8h42
